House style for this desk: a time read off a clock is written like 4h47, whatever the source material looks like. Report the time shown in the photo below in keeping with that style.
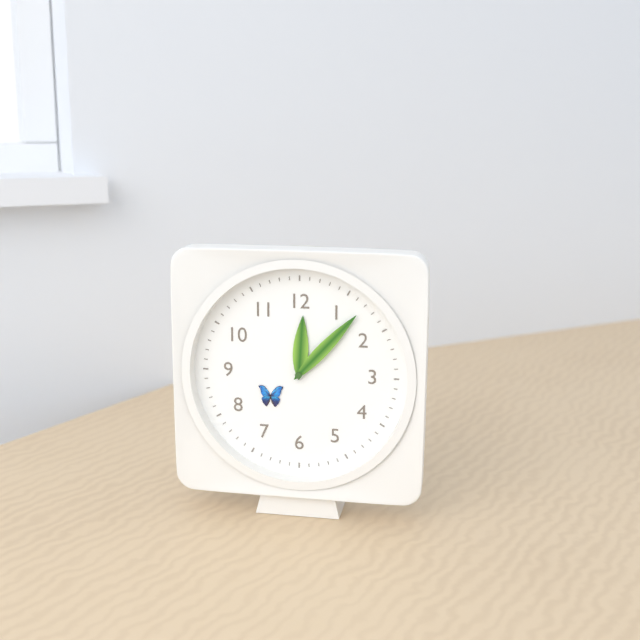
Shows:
12h07
